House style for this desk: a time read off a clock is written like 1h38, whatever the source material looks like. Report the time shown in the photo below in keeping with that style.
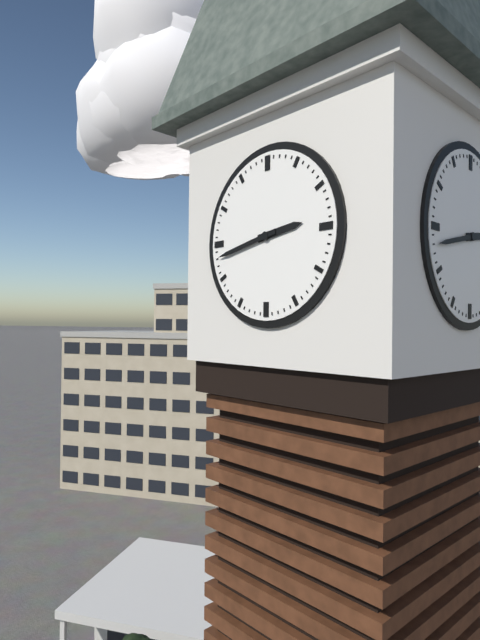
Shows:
2h43
